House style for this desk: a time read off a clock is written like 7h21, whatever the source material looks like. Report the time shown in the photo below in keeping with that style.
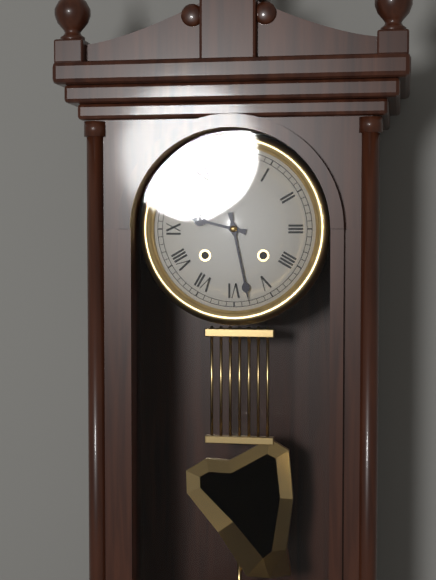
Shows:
9h28
